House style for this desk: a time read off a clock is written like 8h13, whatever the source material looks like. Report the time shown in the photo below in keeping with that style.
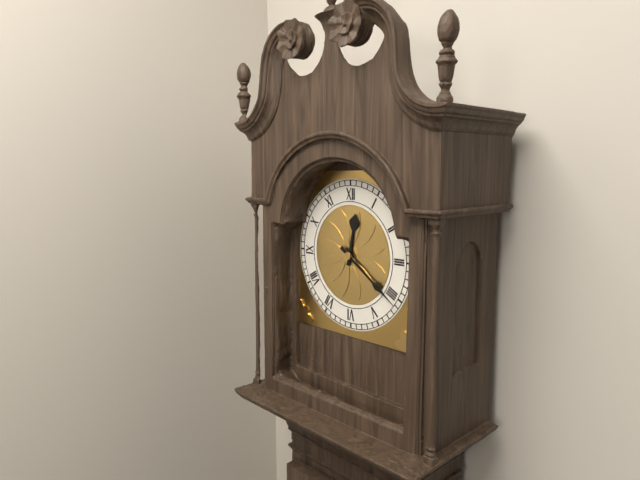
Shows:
12h21
